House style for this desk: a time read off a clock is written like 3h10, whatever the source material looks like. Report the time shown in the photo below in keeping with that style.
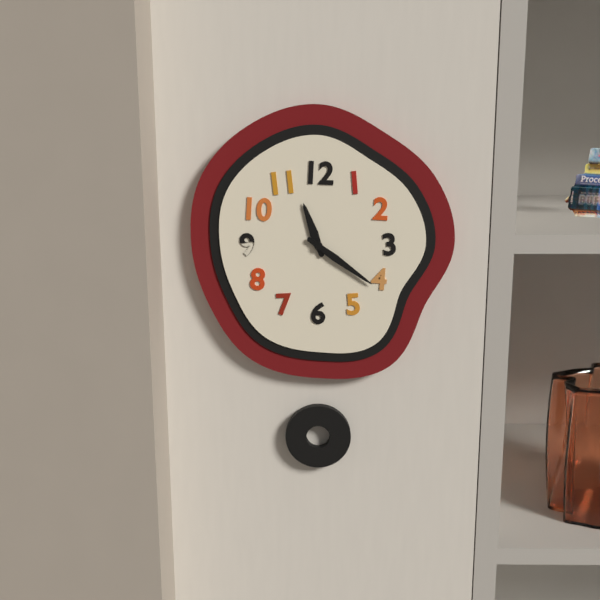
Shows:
11h21
